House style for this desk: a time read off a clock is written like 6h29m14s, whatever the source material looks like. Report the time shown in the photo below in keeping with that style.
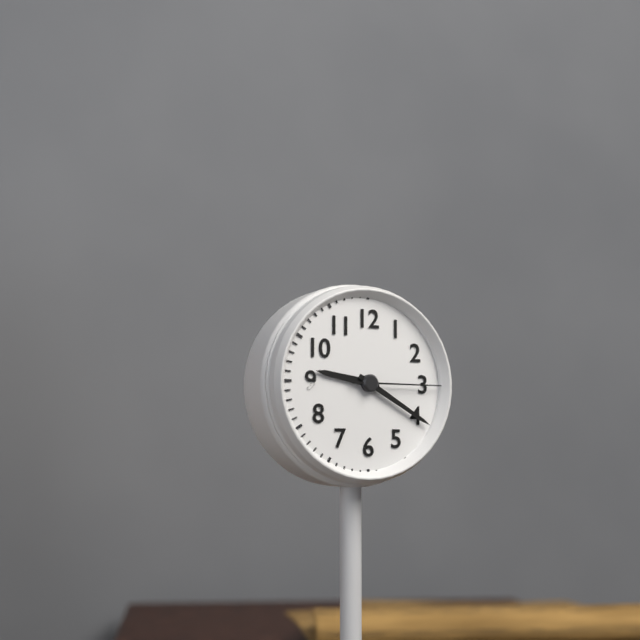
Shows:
9h20m15s
